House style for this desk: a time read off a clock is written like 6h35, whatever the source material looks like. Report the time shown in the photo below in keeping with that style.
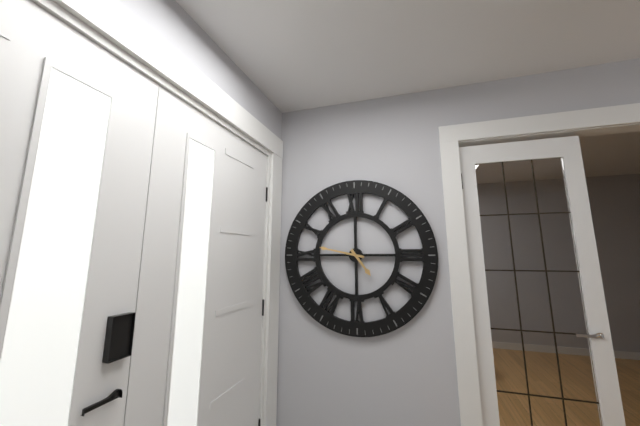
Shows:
4h47
